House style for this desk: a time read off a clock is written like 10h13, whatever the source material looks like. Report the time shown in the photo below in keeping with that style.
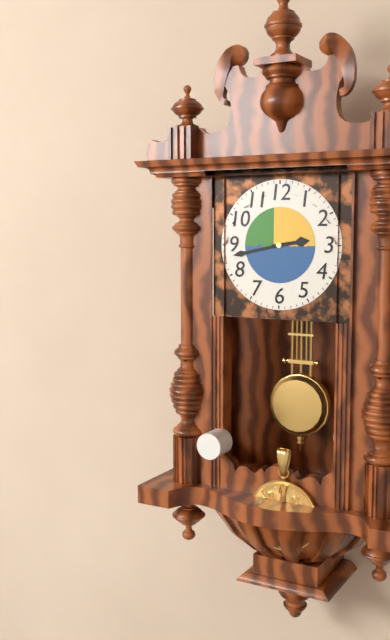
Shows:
2h43
